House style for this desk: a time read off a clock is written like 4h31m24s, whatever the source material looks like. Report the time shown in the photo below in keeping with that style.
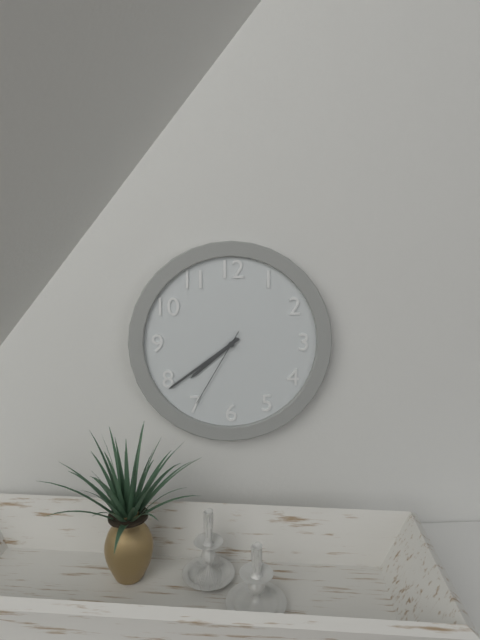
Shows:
7h39m35s
